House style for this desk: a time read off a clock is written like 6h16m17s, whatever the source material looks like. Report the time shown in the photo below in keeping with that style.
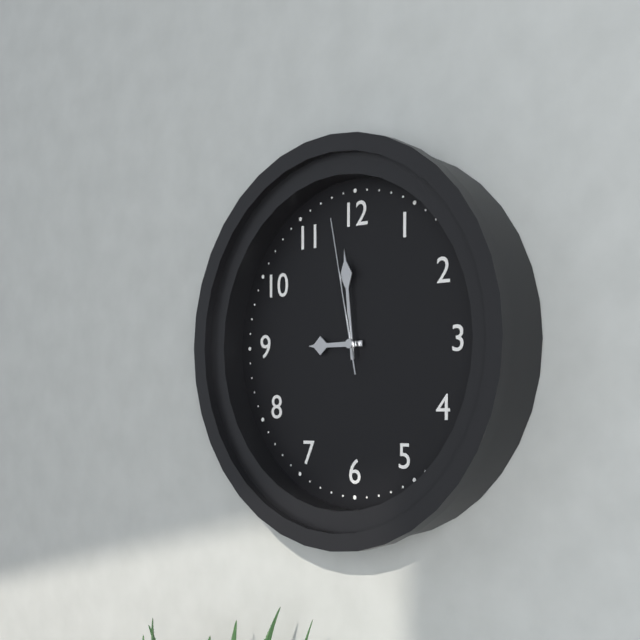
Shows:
8h59m58s
